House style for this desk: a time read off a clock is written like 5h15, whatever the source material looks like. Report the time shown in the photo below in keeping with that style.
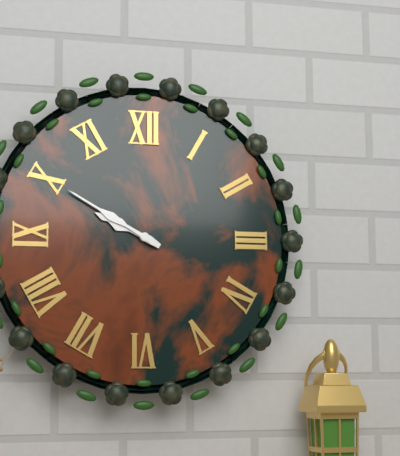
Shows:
9h50
